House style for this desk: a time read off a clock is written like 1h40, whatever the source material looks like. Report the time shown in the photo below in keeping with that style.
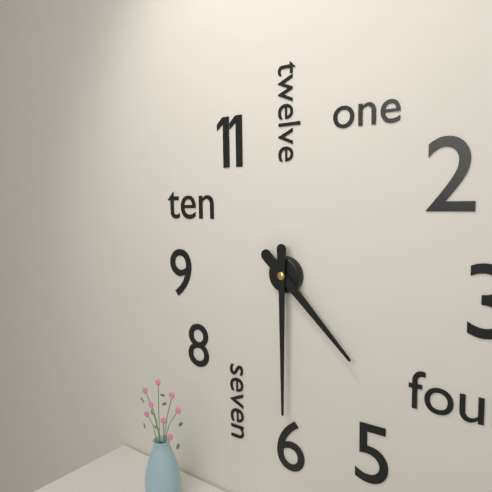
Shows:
4h30
